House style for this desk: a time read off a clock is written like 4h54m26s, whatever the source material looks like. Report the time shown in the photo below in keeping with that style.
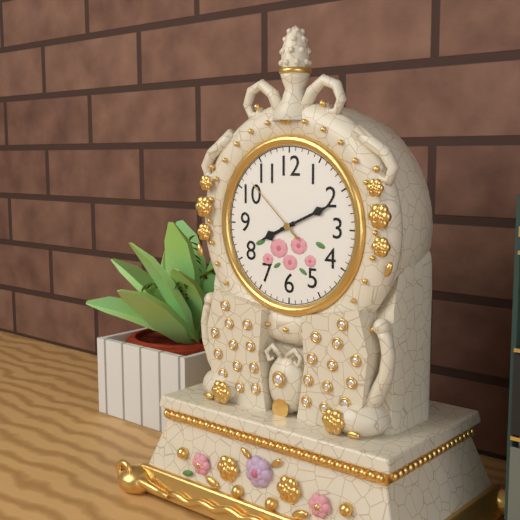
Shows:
8h11m52s
